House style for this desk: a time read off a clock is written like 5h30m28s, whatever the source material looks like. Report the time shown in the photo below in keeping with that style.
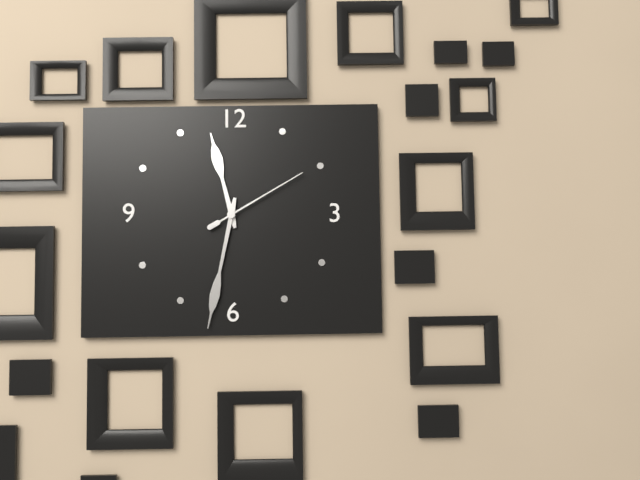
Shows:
11h32m10s
